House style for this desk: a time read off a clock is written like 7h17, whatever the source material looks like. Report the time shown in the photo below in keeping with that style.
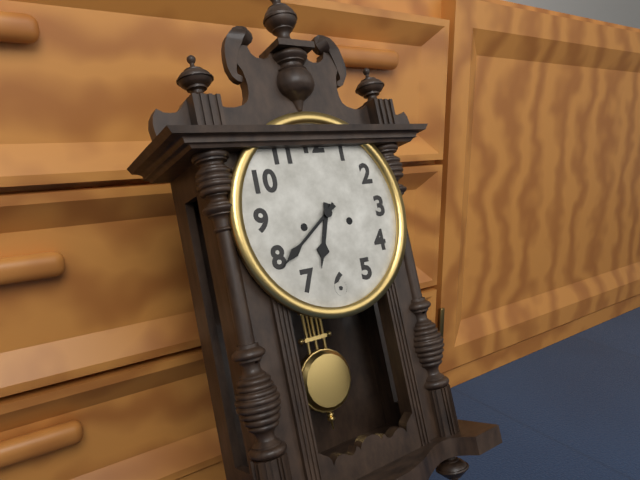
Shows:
6h39
